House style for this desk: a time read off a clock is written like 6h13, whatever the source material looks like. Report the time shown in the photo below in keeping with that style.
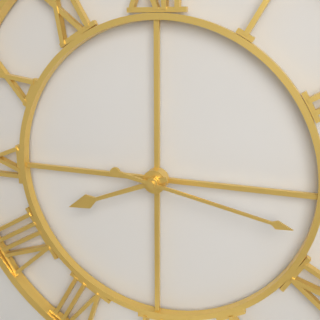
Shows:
8h17
